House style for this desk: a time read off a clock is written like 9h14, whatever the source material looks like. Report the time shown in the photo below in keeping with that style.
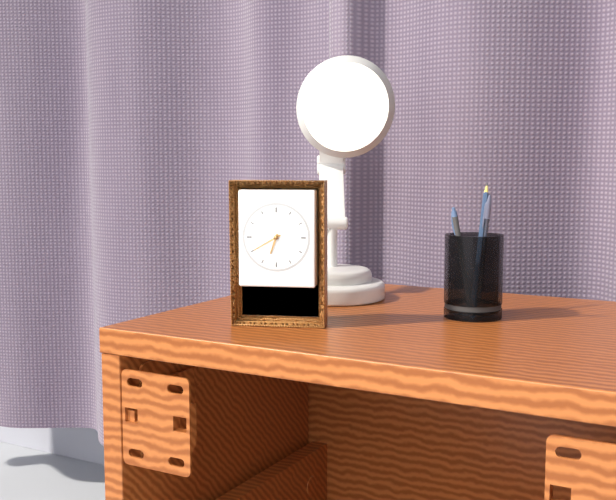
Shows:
6h40
